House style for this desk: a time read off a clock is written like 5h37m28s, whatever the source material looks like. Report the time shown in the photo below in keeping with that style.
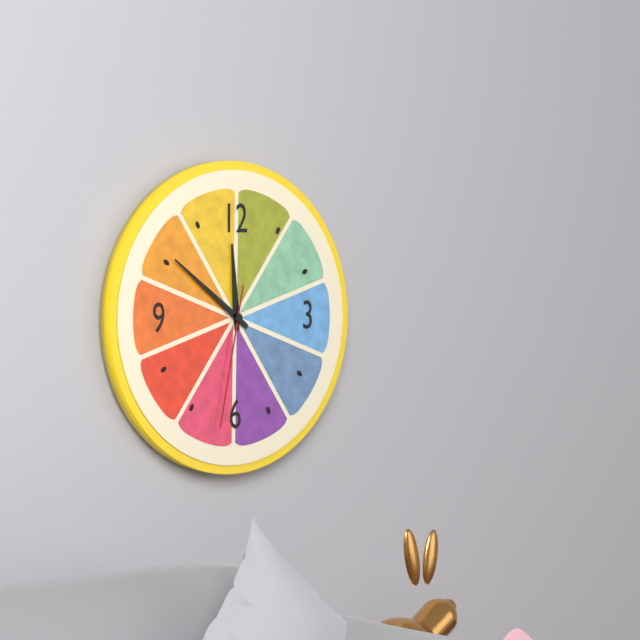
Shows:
11h51m32s
